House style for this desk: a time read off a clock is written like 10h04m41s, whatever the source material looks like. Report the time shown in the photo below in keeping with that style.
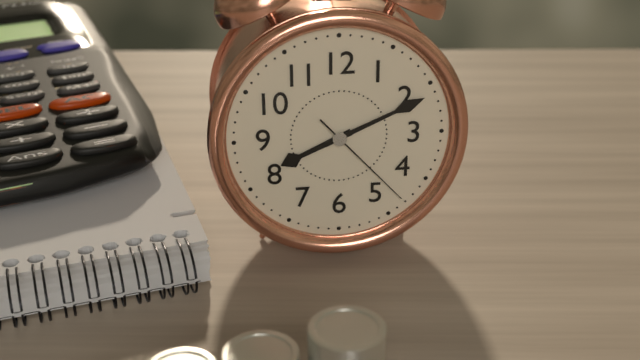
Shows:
8h11m23s
